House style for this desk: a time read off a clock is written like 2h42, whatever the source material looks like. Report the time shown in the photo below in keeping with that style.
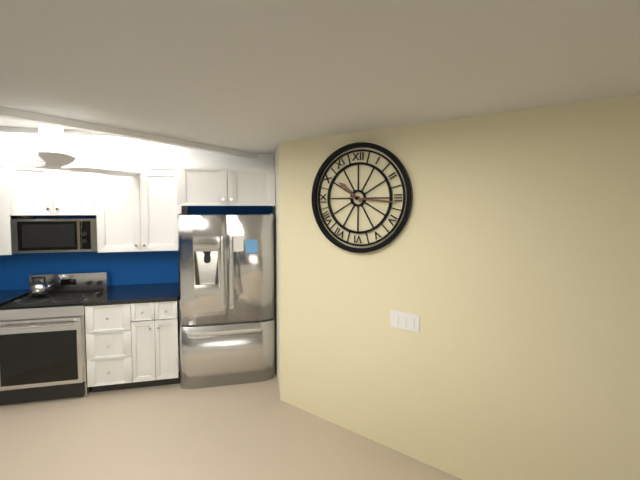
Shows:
10h16
